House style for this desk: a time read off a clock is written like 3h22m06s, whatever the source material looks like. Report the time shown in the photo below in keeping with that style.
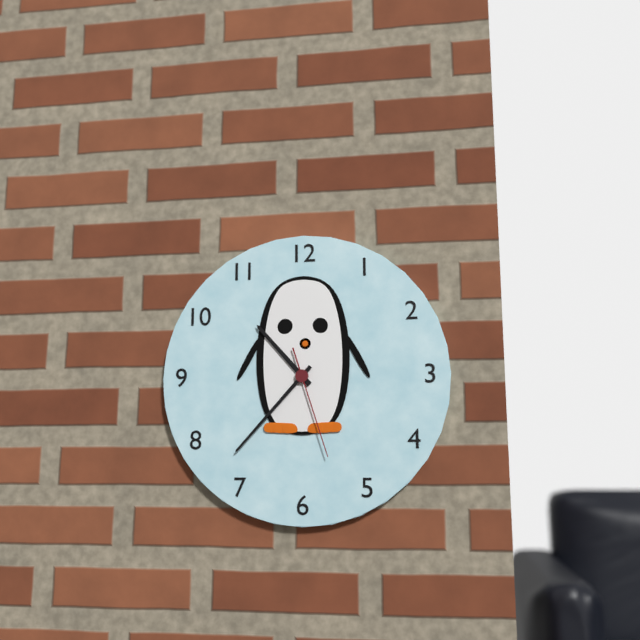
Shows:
10h37m27s
